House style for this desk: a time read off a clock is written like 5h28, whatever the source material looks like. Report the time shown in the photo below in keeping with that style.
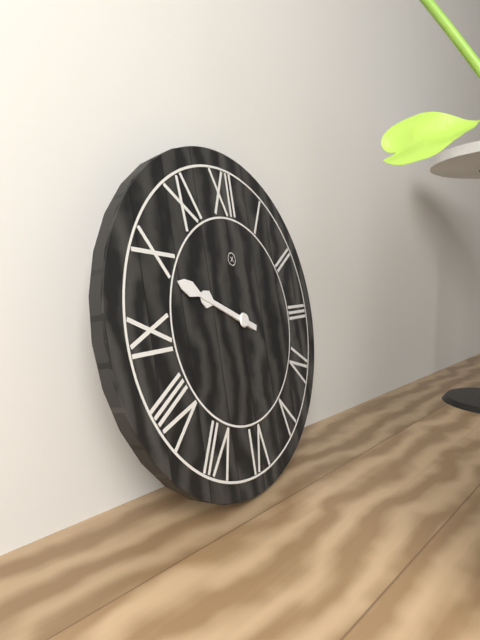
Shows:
9h49
